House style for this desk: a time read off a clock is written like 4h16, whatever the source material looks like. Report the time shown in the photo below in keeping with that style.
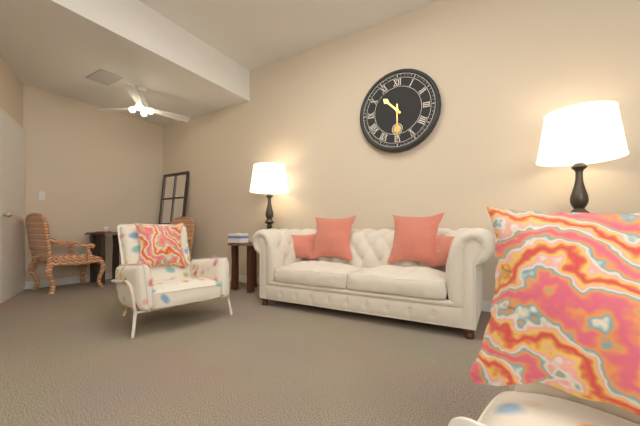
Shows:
10h30
